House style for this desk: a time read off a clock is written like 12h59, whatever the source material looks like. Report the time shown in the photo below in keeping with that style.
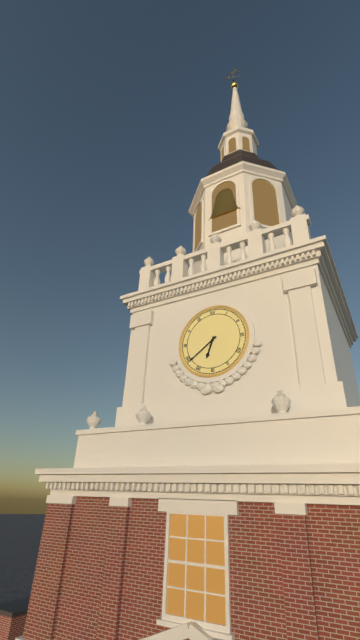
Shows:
6h39
